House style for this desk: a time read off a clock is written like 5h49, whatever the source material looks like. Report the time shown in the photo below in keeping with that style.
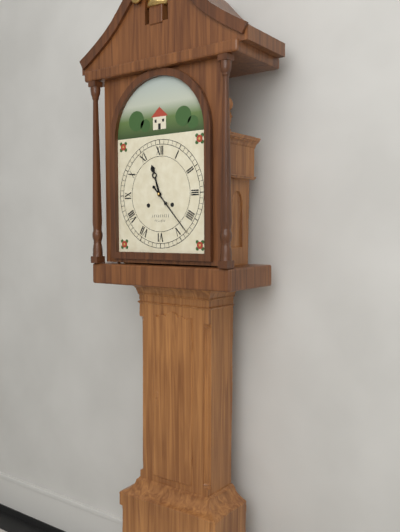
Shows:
11h23
